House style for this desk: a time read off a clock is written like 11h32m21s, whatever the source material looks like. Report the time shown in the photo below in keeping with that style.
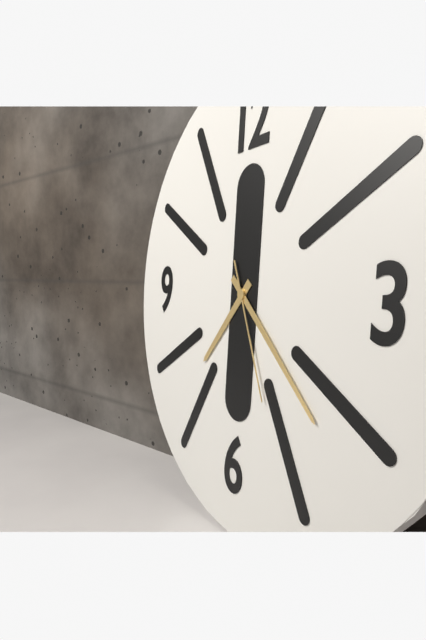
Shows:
7h22m26s
